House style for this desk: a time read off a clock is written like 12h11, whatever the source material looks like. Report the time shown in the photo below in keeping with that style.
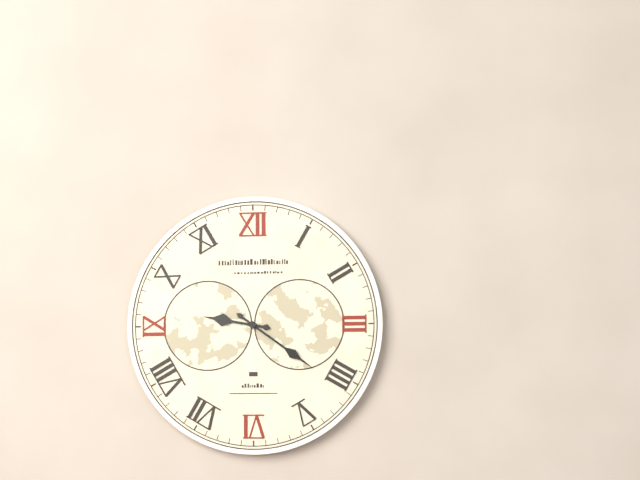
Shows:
9h21
